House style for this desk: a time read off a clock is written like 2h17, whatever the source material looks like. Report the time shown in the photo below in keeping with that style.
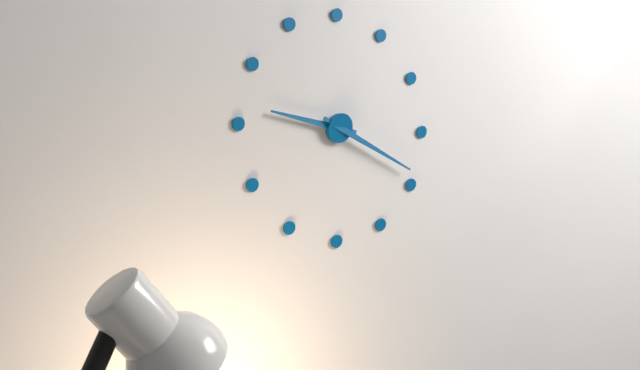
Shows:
9h19
